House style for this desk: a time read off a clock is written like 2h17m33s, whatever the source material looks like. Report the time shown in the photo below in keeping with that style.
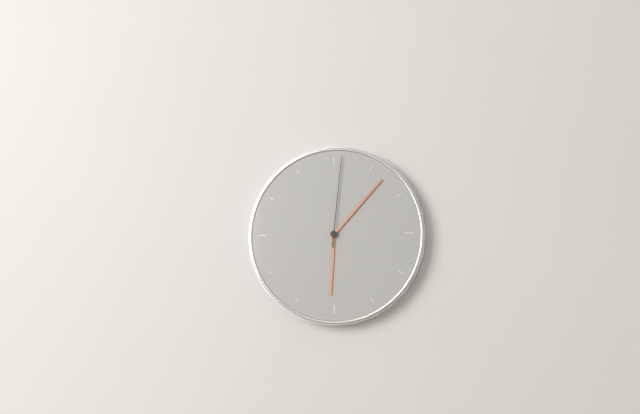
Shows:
6h07m01s
